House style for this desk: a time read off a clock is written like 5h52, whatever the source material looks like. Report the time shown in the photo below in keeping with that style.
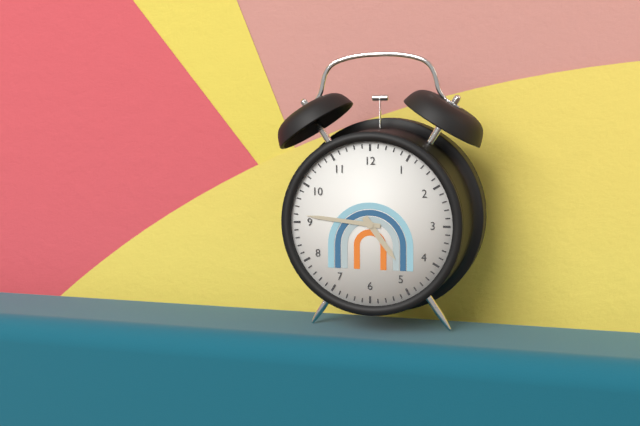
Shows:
4h46
